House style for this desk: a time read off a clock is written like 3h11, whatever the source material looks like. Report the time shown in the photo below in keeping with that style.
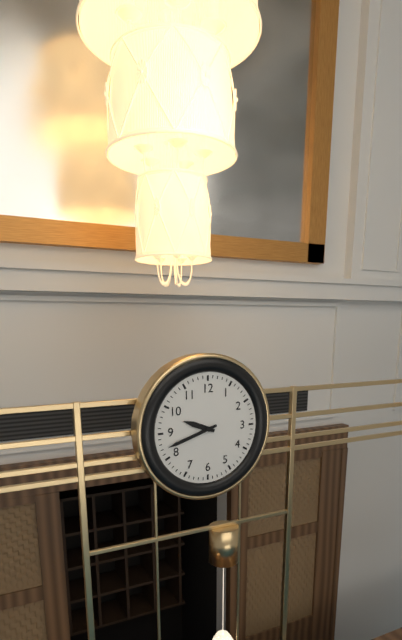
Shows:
9h42
